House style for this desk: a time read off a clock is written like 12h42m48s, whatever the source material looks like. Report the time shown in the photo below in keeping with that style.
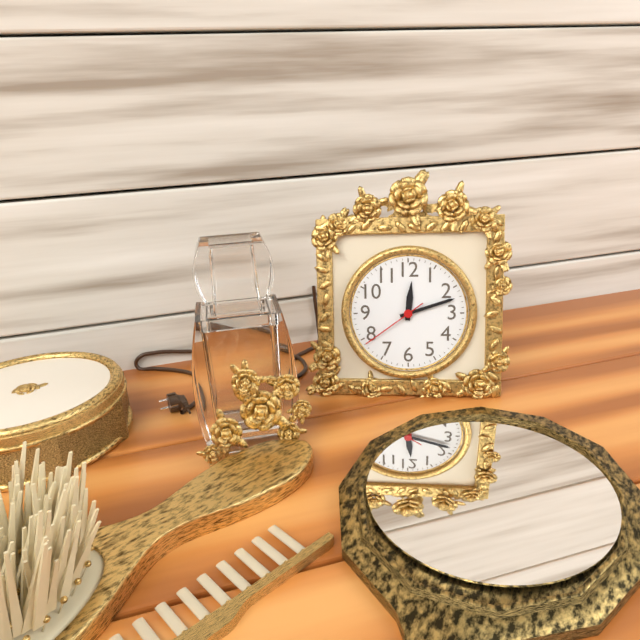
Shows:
12h12m39s
